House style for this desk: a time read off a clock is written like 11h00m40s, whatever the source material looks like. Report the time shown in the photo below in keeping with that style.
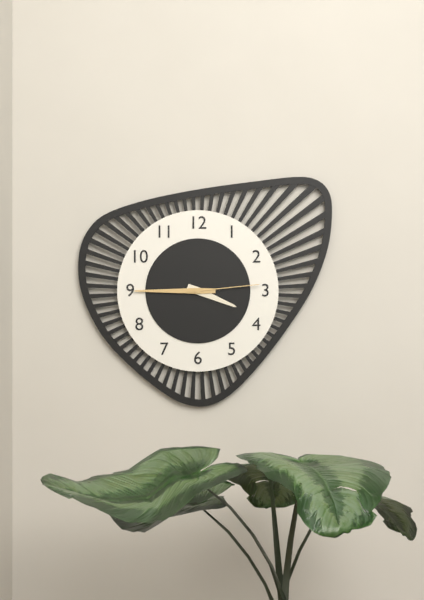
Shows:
3h45m14s
